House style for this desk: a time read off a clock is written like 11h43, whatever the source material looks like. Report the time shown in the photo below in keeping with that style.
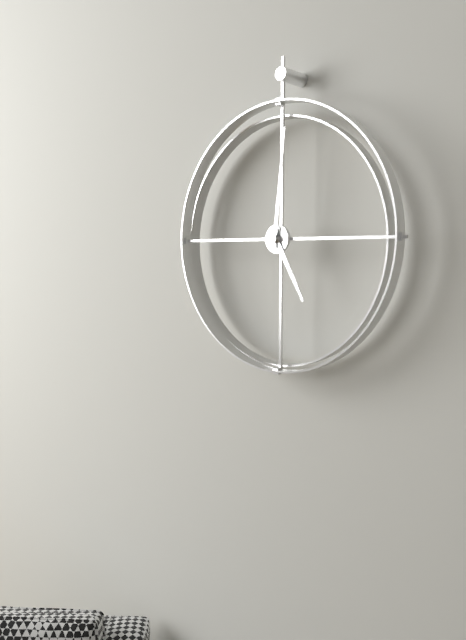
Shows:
5h01
